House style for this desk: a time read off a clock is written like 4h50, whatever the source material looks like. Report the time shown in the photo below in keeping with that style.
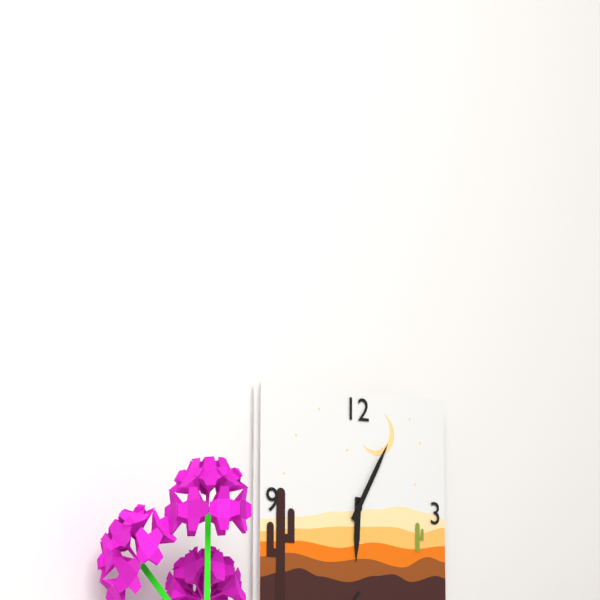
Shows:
6h05
